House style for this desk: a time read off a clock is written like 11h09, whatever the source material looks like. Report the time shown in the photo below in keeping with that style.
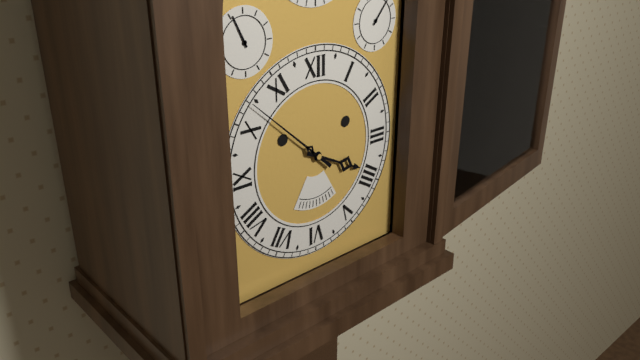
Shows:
3h52
